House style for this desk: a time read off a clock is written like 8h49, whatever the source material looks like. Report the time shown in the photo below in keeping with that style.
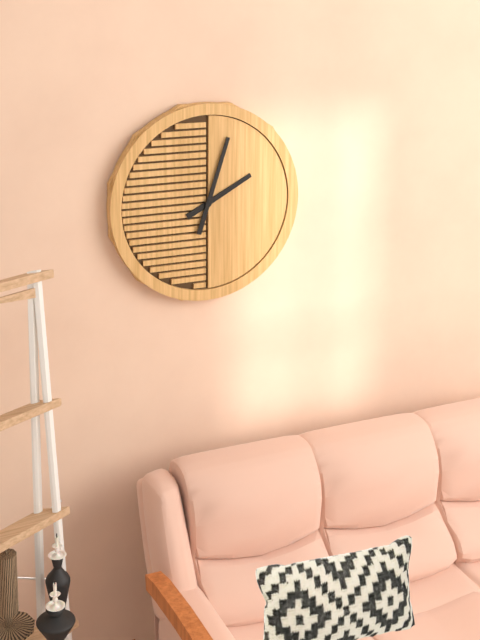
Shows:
2h03
